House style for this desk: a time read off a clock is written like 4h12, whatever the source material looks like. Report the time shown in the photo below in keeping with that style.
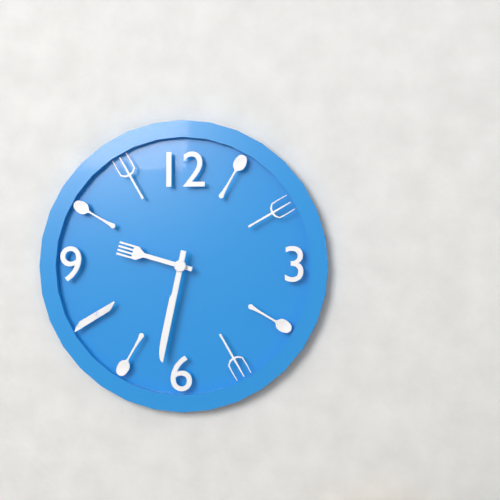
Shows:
9h32
